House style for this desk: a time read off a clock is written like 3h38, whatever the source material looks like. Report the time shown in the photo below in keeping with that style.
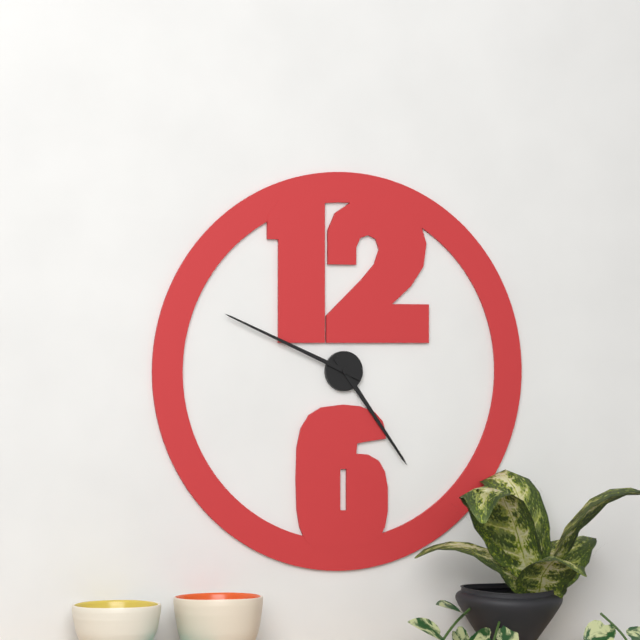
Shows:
4h49
